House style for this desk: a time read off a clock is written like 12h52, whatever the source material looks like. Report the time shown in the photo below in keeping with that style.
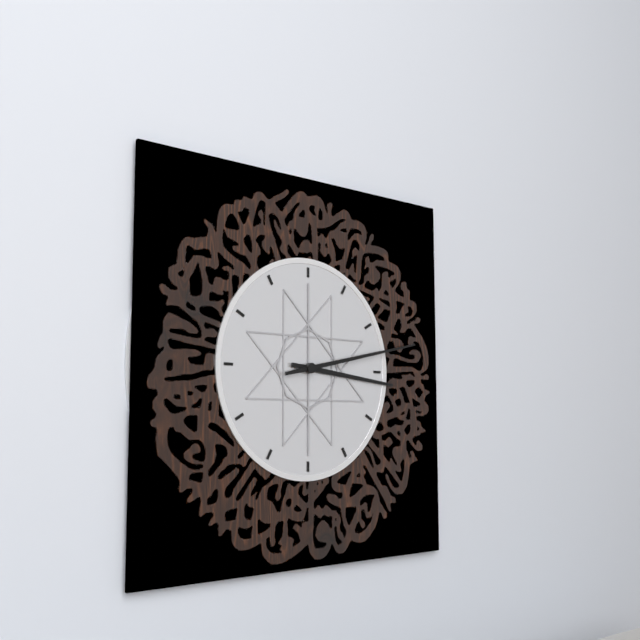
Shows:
3h13
